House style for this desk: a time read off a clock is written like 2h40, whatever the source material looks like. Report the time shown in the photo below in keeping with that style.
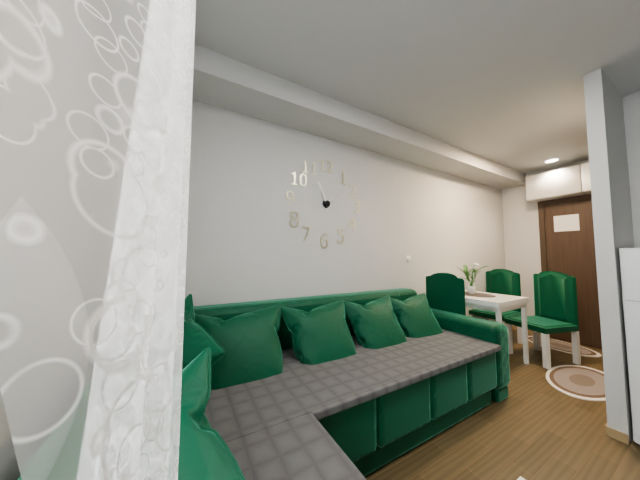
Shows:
11h08
